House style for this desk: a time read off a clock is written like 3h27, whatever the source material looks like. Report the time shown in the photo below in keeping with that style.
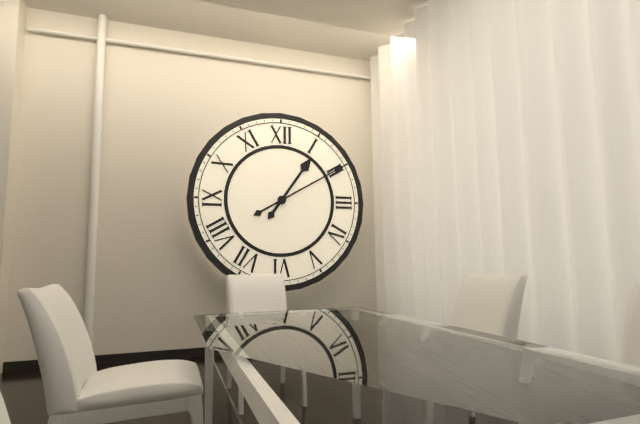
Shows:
1h10
